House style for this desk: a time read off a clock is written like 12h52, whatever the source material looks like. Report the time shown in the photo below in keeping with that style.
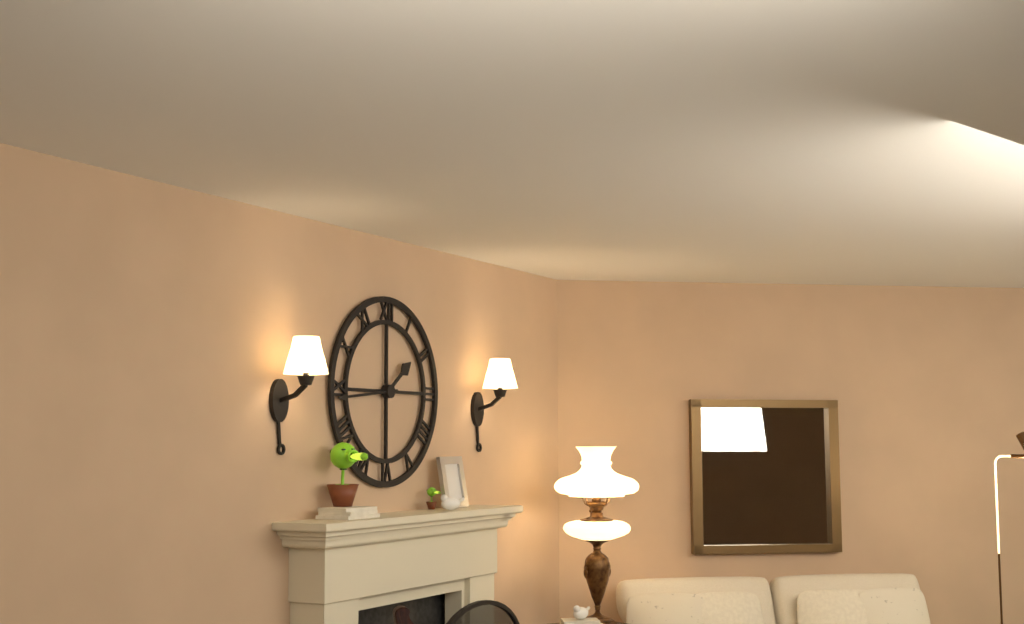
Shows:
1h44
